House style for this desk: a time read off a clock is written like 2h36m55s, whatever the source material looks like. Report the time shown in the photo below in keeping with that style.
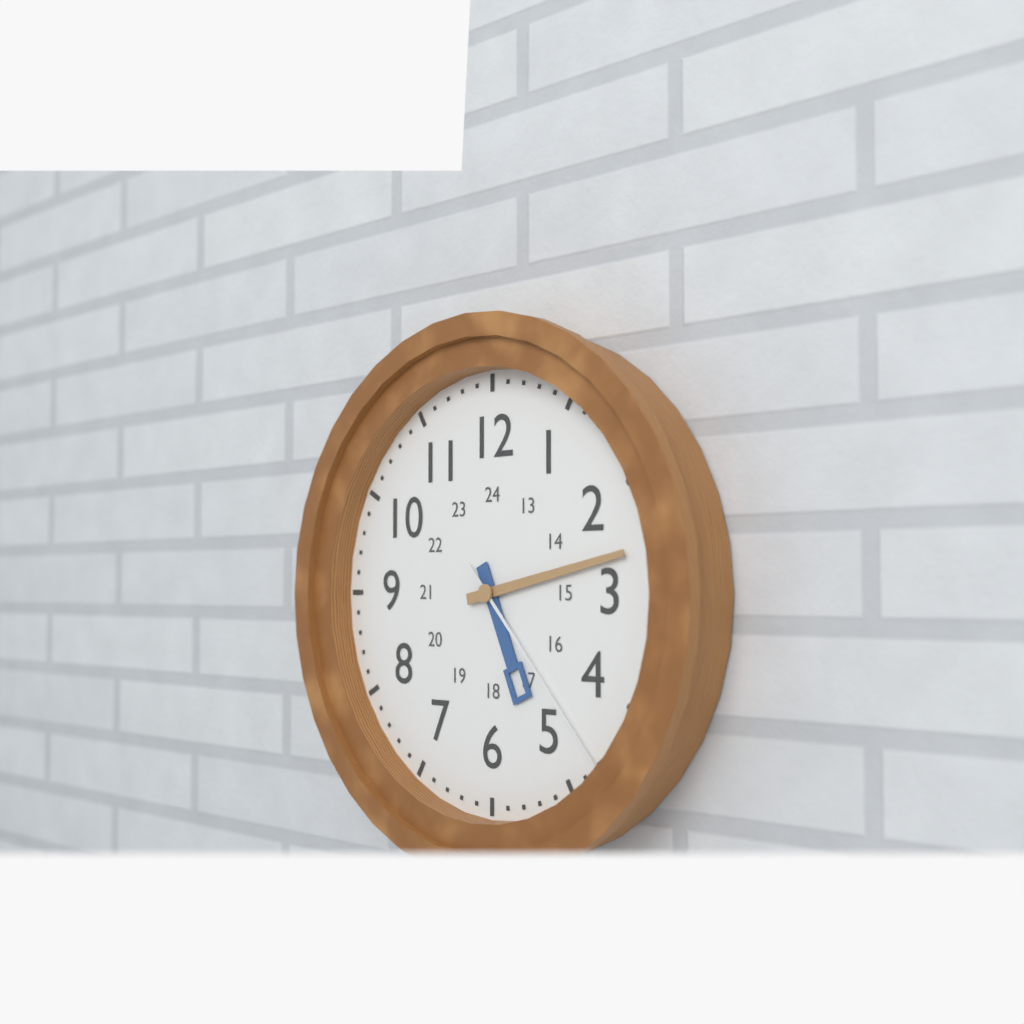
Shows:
5h13m23s
